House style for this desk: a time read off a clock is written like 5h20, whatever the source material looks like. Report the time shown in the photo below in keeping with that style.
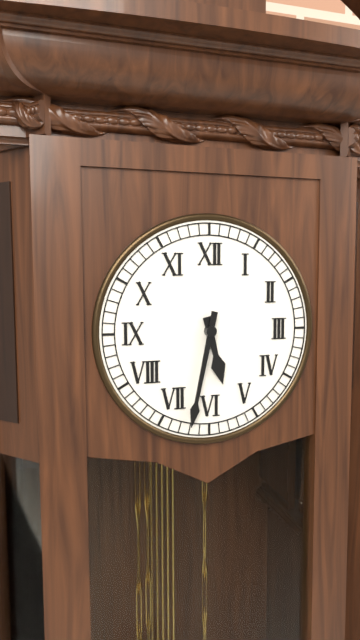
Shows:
5h32
